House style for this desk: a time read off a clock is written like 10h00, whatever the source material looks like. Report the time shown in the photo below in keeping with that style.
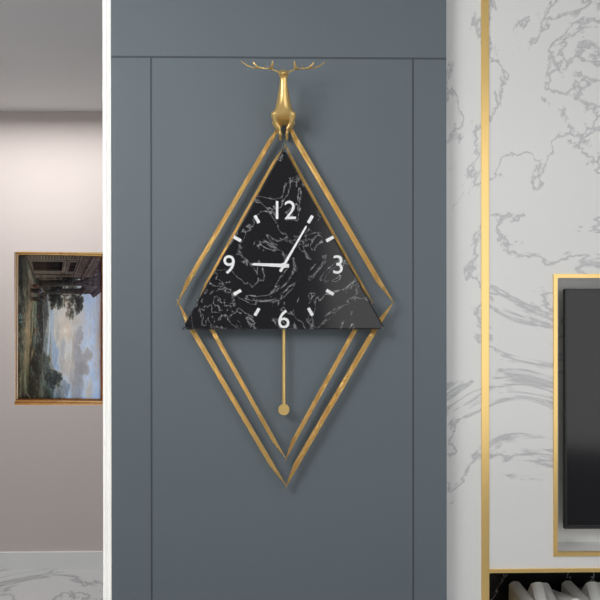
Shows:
9h05
